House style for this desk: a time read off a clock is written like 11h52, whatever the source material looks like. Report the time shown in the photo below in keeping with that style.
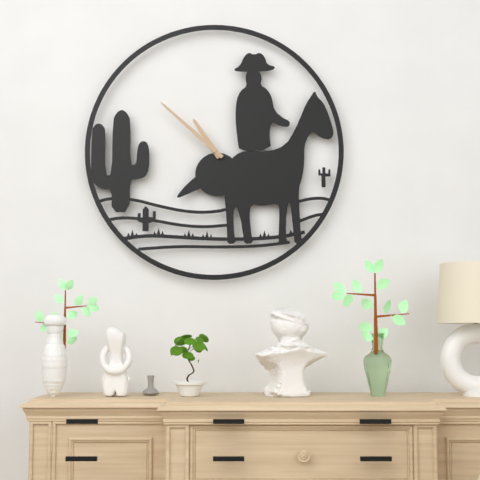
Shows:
10h52
